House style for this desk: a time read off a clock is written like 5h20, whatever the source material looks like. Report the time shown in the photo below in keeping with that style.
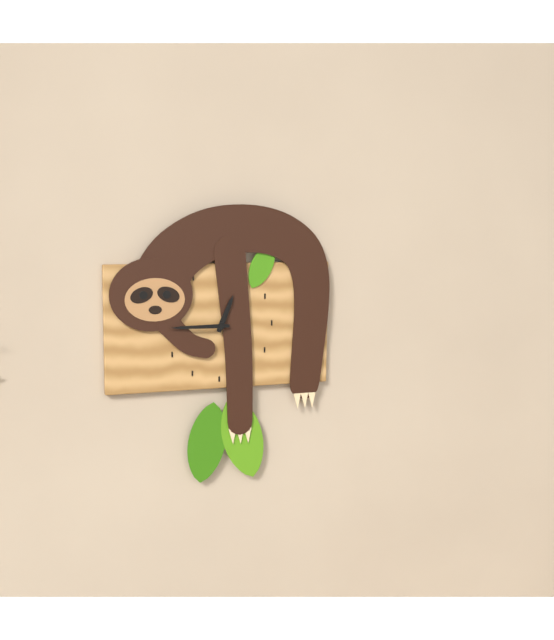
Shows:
12h45
